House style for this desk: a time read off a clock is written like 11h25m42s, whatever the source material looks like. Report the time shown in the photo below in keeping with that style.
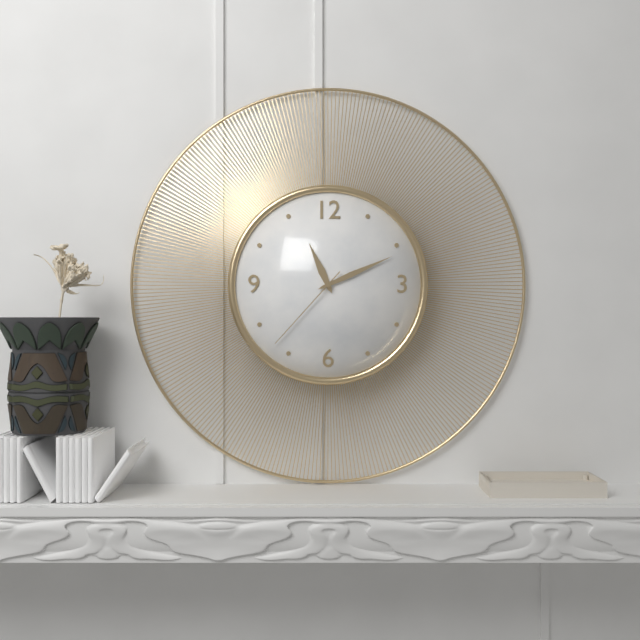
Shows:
11h11m37s
